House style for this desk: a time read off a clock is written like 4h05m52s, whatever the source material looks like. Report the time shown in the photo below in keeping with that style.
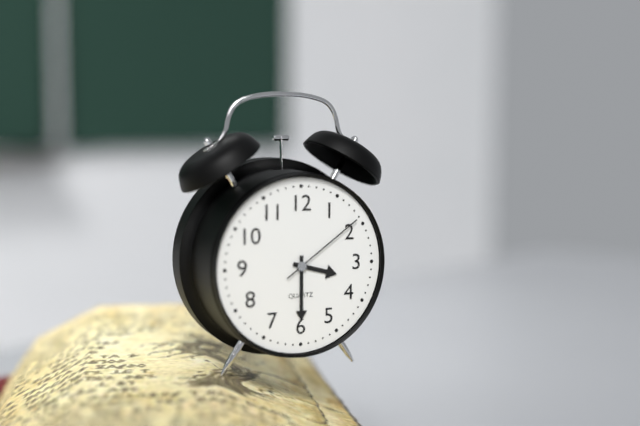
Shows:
3h30m09s
